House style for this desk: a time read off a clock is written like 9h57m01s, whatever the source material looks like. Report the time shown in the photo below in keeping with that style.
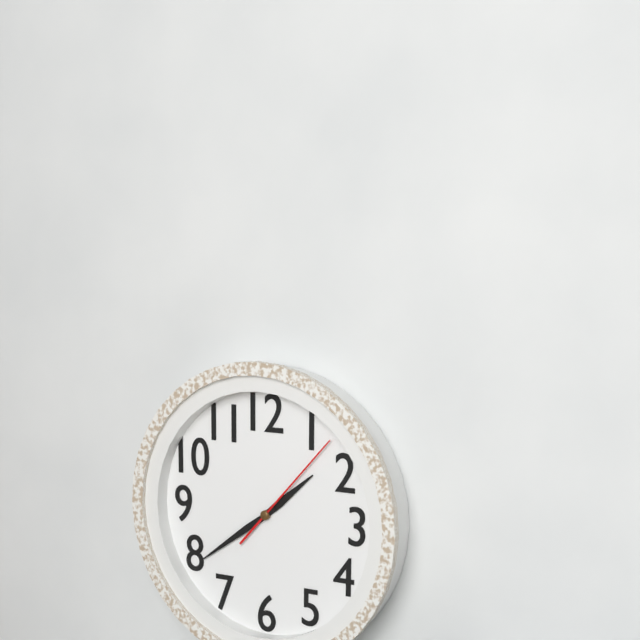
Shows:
1h39m07s
